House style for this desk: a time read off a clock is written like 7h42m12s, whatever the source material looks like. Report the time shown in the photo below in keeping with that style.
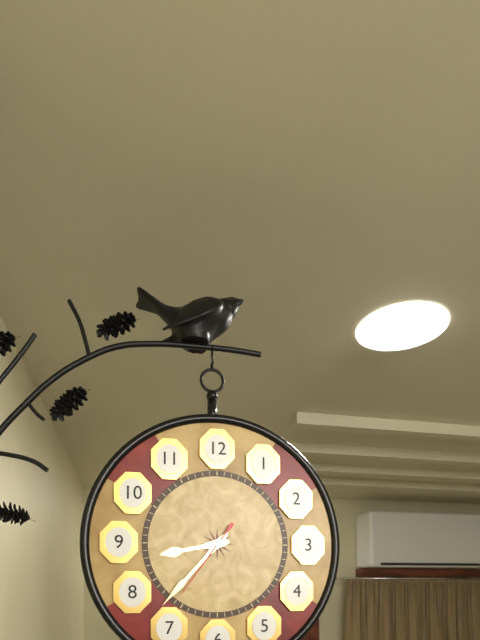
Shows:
8h37m36s
